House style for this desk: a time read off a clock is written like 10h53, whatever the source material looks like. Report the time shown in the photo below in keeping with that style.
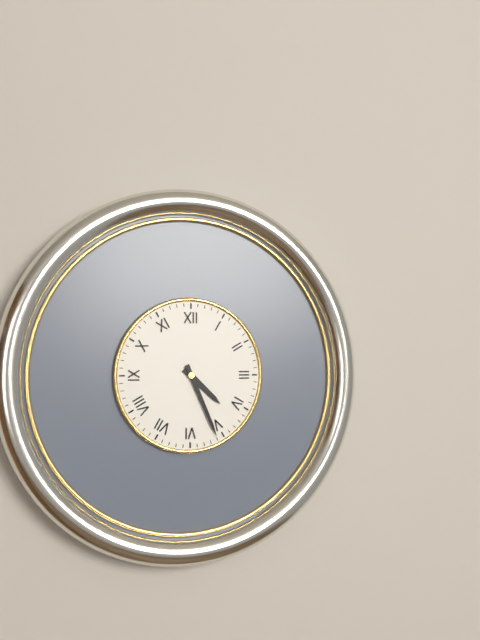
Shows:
4h26
